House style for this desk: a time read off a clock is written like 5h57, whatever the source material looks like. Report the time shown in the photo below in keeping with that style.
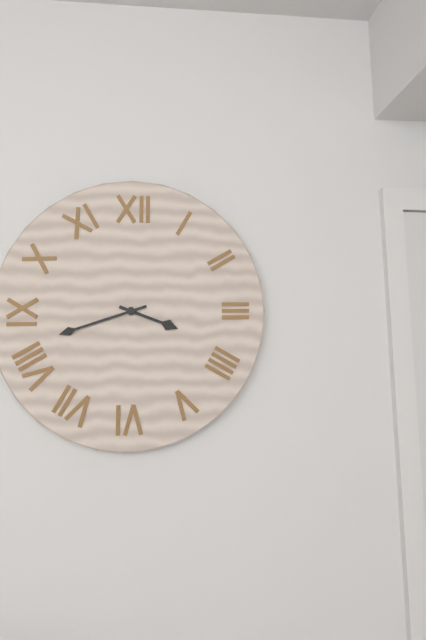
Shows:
3h42
